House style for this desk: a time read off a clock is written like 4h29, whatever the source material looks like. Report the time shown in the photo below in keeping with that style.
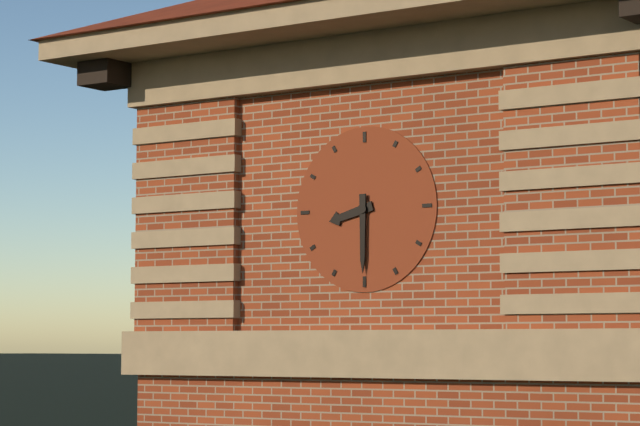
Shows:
8h30
